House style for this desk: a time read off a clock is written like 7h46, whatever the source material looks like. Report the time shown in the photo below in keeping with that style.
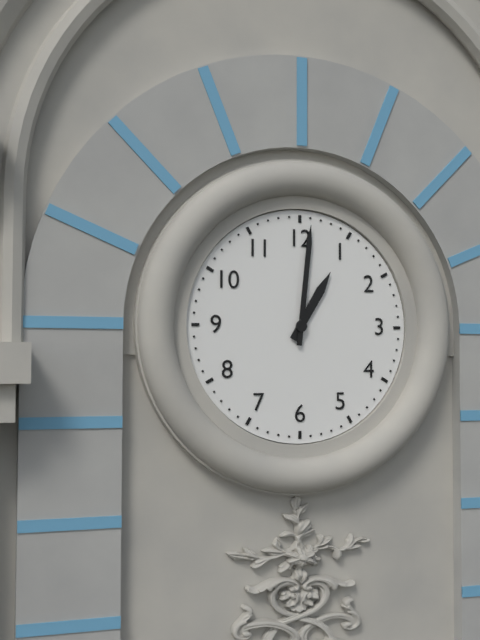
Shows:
1h01
